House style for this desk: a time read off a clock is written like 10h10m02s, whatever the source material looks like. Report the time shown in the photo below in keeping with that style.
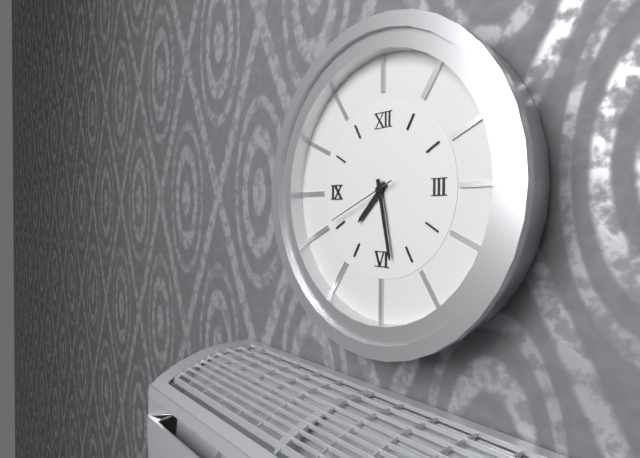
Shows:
7h28m41s
